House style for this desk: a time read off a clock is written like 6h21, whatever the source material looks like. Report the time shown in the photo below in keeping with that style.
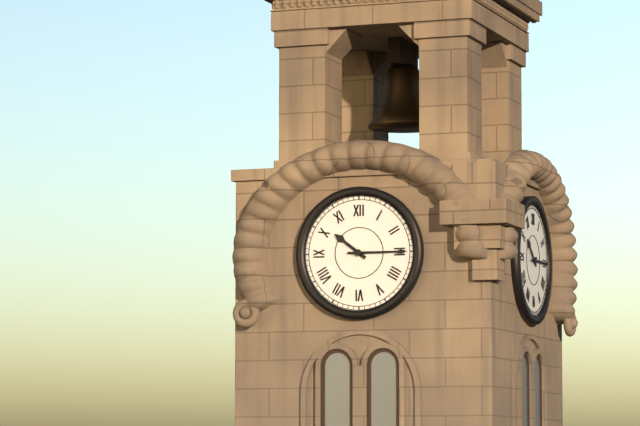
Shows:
10h15
